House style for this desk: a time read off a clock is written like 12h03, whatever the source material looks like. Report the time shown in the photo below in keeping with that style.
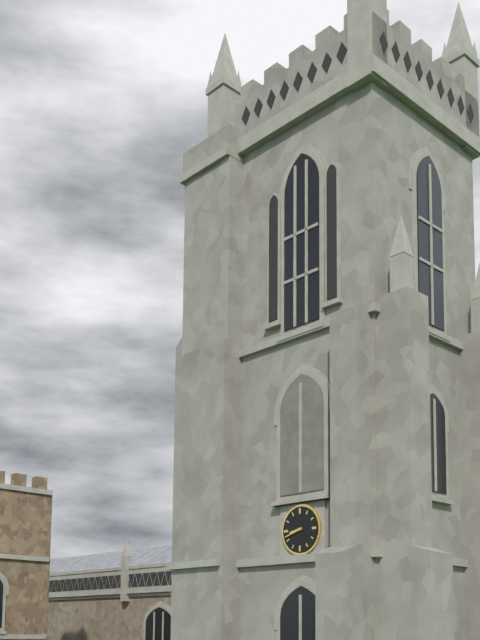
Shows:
8h42
